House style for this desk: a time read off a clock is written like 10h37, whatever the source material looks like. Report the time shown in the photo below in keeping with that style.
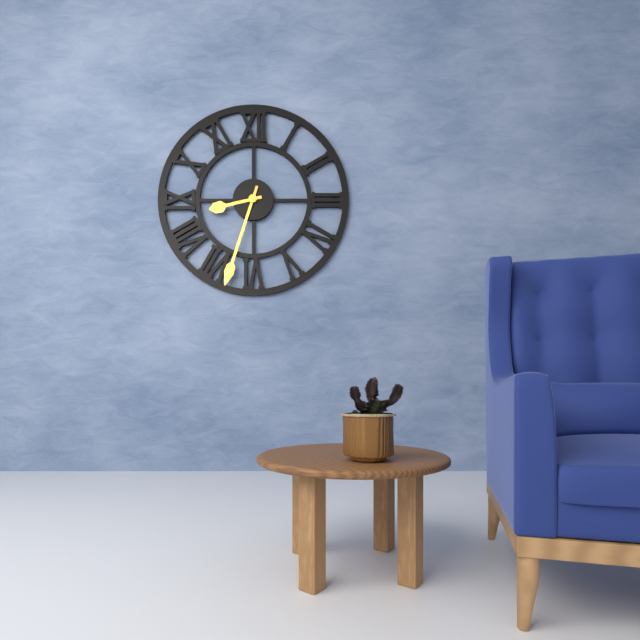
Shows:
8h33
